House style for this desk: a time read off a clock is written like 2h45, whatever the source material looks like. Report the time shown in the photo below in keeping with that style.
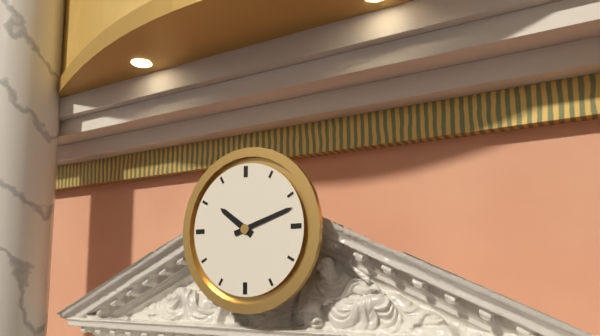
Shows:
10h12
